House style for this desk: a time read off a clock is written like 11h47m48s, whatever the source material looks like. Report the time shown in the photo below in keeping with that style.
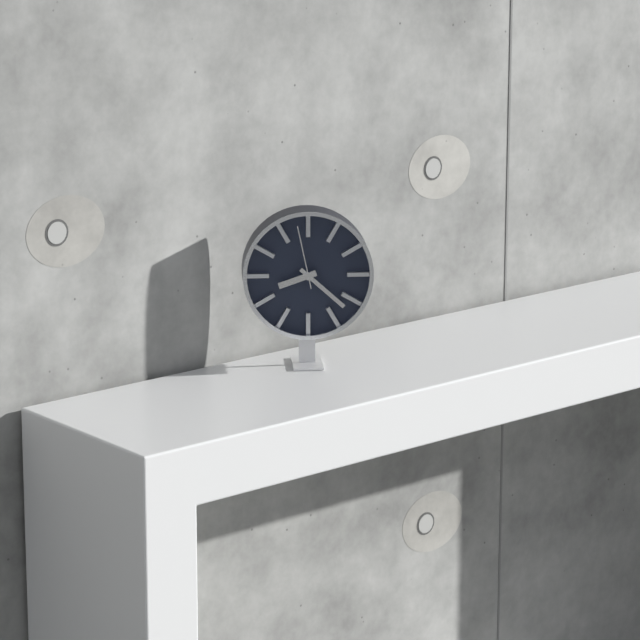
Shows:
8h22m58s
